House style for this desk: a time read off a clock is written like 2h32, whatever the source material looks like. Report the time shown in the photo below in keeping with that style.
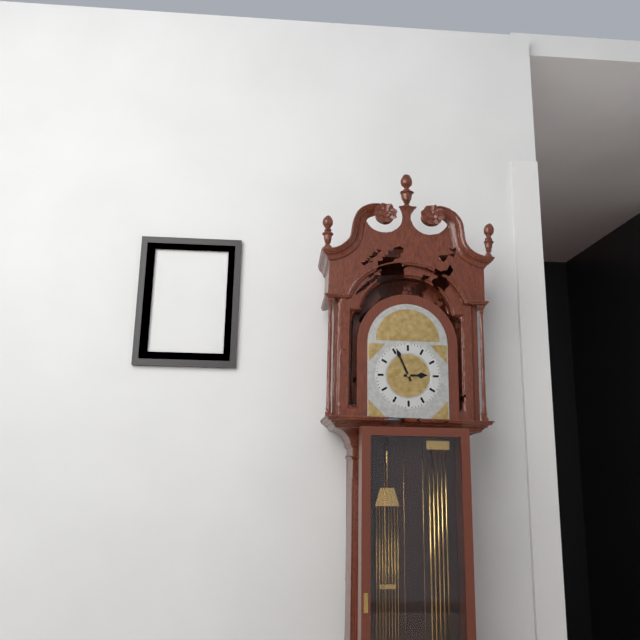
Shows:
2h56
